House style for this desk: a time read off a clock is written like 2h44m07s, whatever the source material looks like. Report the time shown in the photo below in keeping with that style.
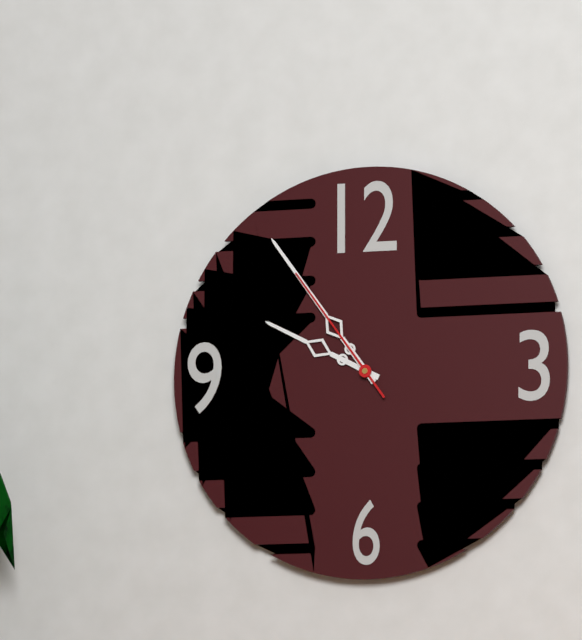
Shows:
9h54m54s
